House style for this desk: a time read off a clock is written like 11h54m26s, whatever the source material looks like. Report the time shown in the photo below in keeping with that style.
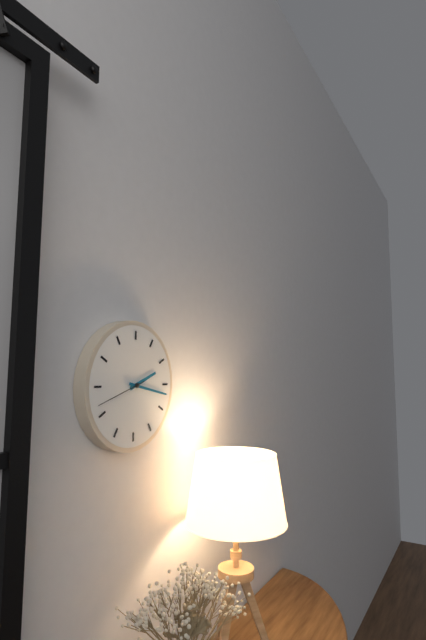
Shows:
2h17m42s
